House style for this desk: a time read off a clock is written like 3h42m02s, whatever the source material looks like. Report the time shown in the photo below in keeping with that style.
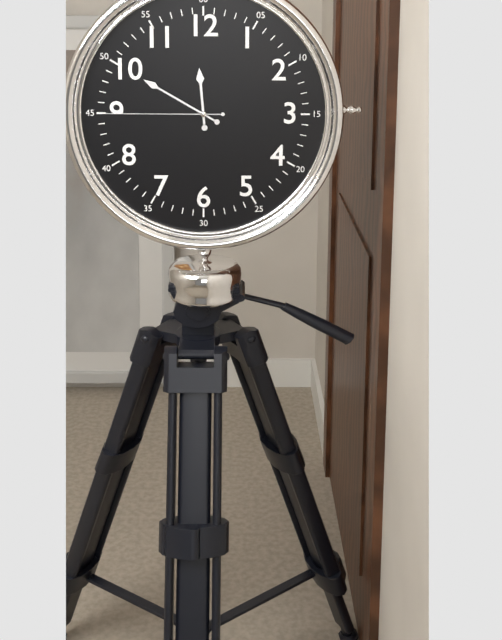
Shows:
11h50m45s
